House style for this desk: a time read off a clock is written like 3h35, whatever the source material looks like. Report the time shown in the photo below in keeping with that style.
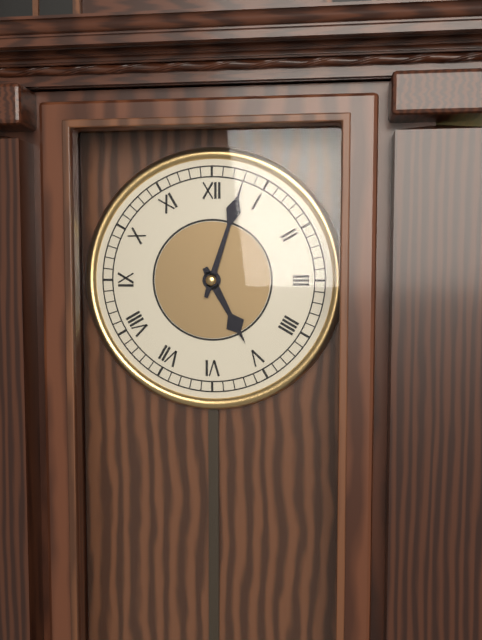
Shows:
5h03
